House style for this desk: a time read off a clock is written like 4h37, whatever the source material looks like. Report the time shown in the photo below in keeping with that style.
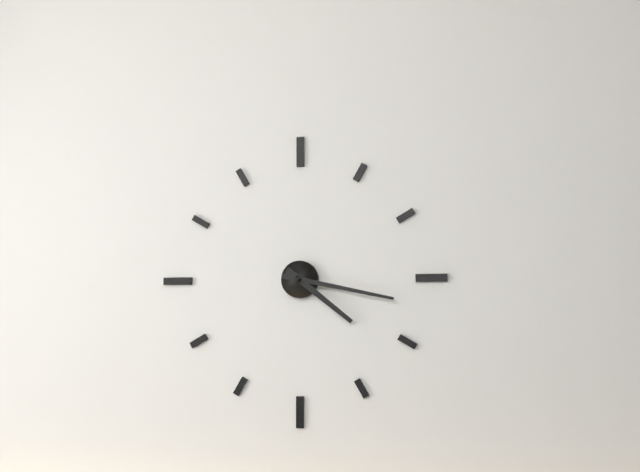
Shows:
4h17
